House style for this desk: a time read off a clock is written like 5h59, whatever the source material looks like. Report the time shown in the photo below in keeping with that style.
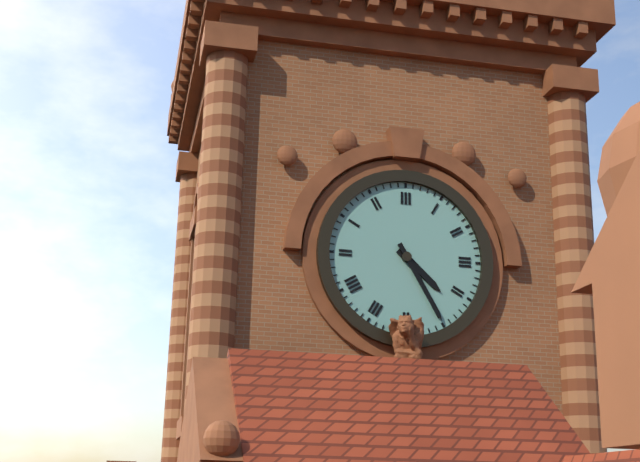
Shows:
4h25
